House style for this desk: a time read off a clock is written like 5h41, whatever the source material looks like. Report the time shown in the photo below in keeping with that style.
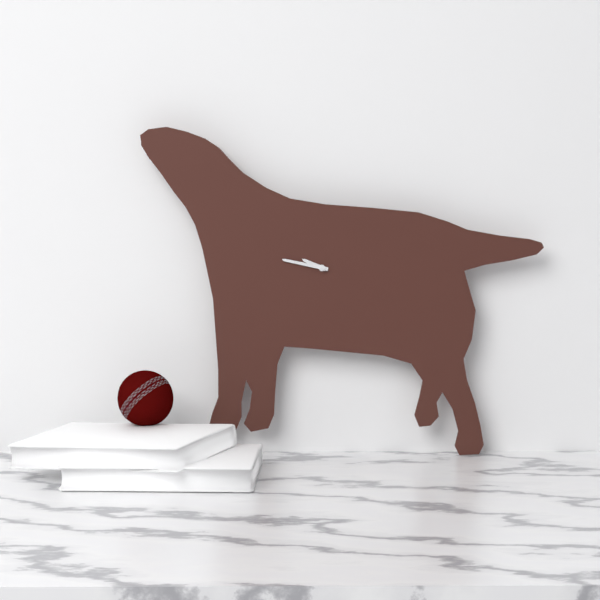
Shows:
9h47
